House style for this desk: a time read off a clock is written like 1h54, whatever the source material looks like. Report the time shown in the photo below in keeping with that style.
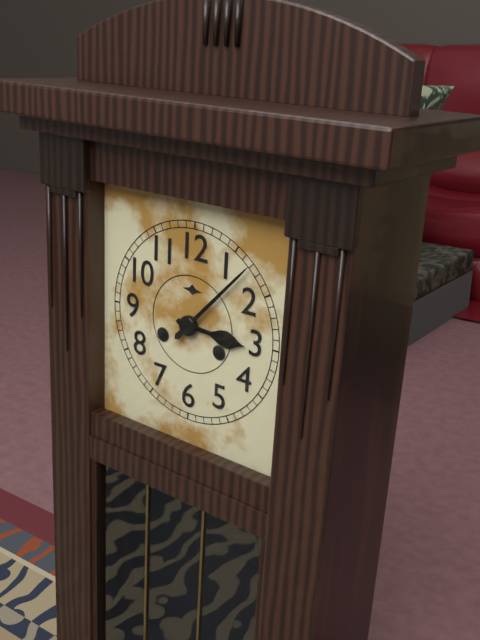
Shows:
3h07
